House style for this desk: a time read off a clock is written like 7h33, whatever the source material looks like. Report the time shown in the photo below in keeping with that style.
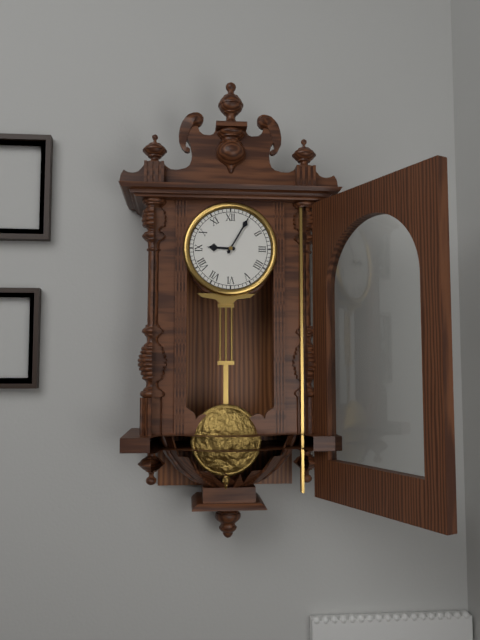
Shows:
9h05
